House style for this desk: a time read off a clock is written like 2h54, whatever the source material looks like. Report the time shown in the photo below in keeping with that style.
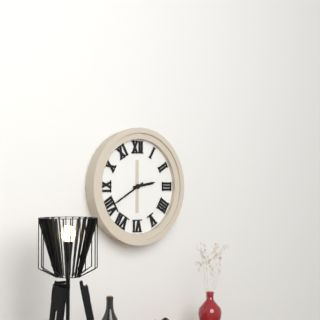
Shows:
2h40
